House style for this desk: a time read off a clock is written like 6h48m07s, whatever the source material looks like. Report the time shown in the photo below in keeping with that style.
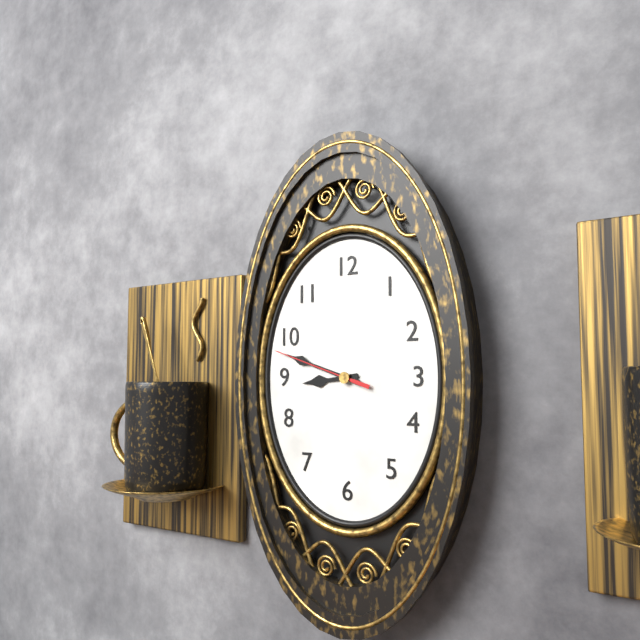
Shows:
8h48m48s
